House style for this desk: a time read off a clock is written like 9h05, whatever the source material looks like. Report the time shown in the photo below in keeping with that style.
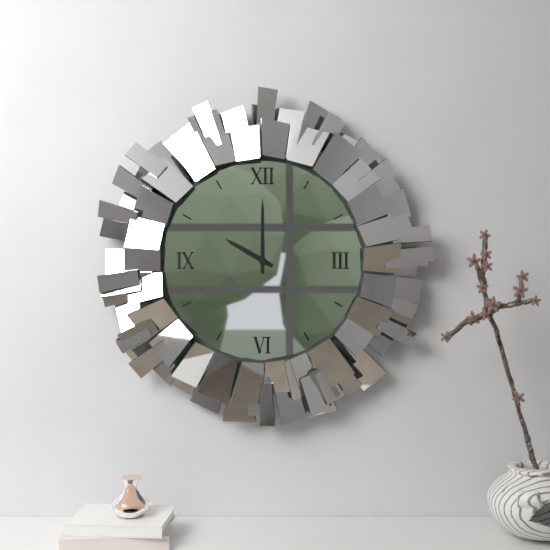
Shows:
10h00
